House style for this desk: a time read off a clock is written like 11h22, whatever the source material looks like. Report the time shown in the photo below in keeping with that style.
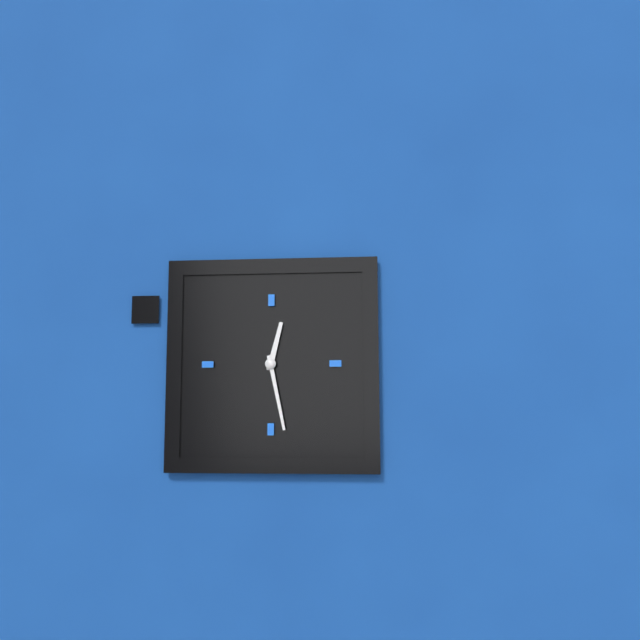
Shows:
12h28
